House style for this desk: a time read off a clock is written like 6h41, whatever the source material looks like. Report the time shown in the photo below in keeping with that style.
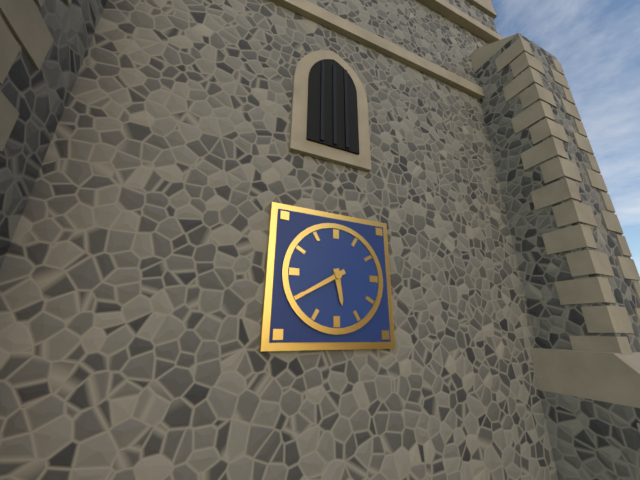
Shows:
5h40
